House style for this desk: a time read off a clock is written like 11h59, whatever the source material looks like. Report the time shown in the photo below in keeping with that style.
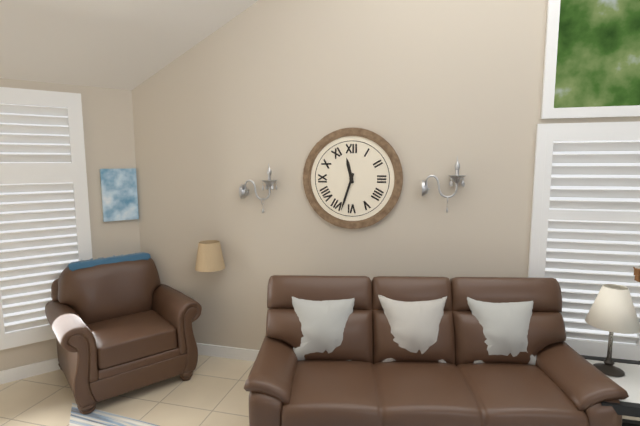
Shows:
11h33
